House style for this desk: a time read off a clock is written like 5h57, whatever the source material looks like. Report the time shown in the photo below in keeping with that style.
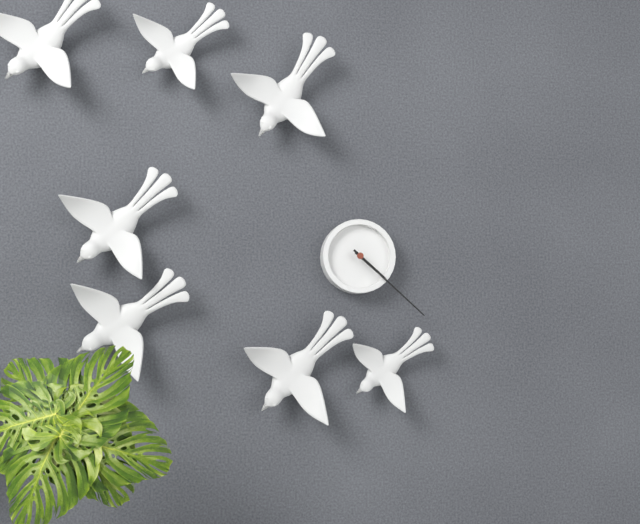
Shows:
4h22
